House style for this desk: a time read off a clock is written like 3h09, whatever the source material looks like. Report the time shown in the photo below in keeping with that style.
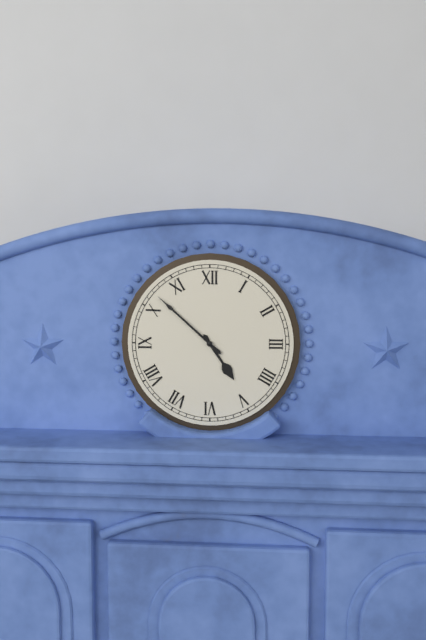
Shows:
4h52
